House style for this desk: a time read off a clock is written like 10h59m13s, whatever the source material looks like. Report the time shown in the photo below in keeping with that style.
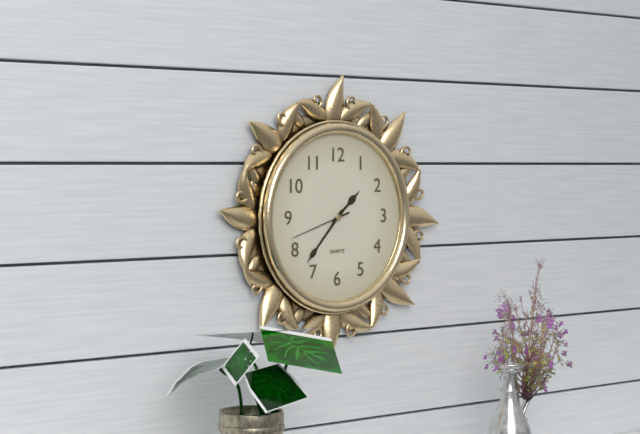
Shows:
1h37m42s
